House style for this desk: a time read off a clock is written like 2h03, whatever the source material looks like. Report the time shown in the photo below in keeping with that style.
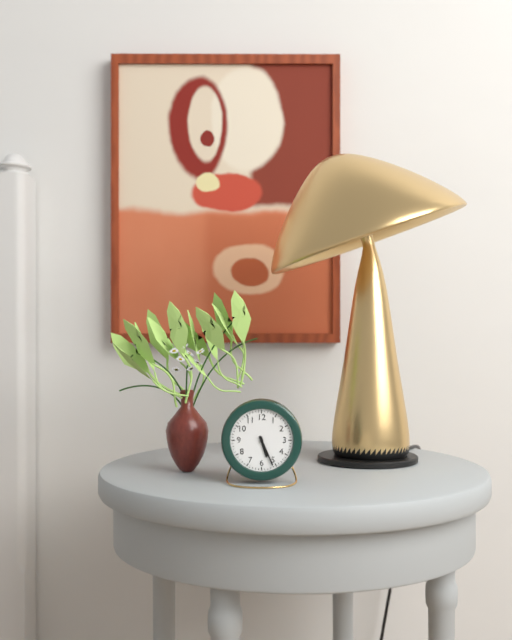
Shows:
5h26
